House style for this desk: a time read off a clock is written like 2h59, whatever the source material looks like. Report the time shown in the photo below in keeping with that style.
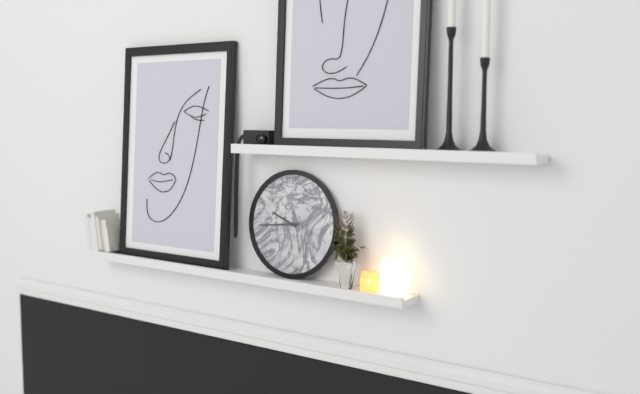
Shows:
9h44
